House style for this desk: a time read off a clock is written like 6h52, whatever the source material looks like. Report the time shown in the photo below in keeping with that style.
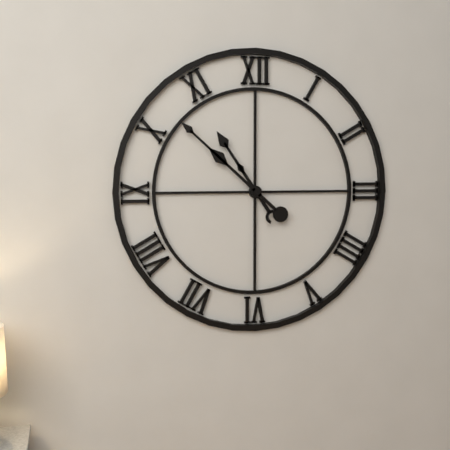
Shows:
10h52
